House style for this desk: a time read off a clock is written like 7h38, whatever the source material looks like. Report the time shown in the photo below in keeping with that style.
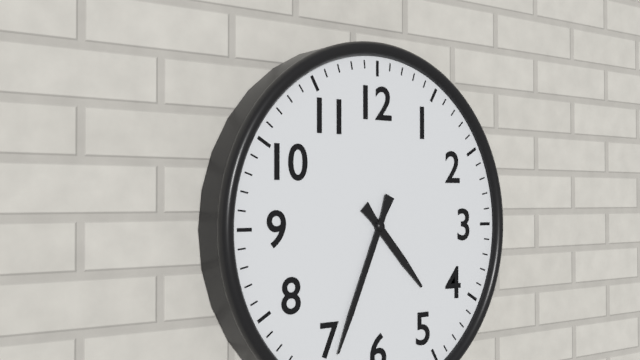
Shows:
4h34
